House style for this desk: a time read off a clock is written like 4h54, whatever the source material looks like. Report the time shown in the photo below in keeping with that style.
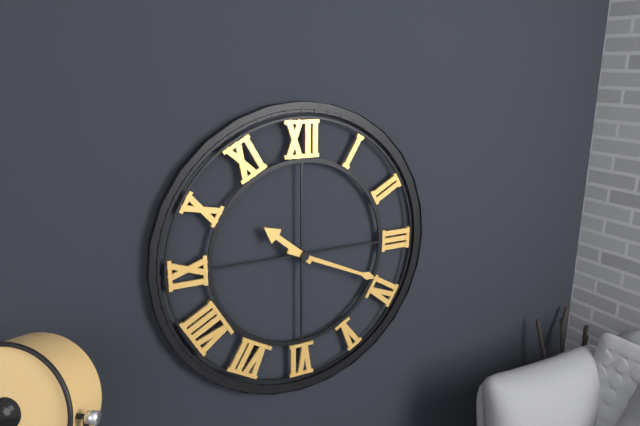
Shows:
10h19
